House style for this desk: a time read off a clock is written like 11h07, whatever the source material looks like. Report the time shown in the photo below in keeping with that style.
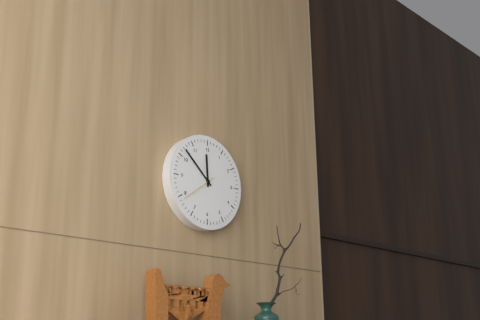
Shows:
11h52
